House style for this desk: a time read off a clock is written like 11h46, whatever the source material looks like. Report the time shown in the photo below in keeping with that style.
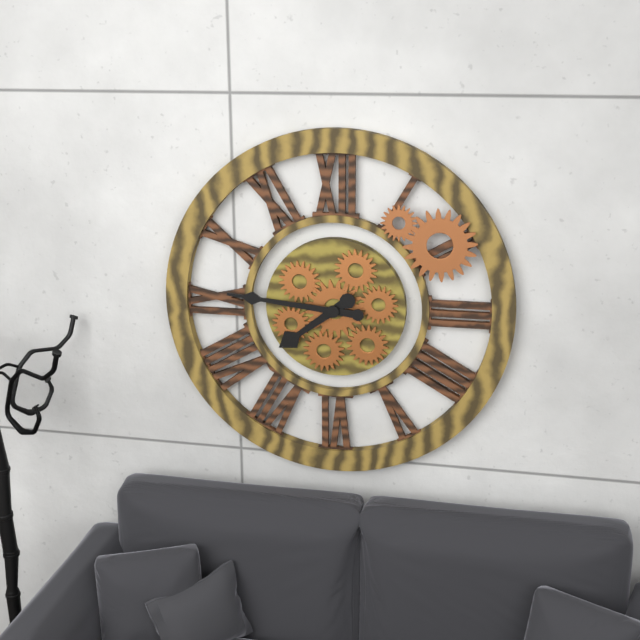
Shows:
7h46
